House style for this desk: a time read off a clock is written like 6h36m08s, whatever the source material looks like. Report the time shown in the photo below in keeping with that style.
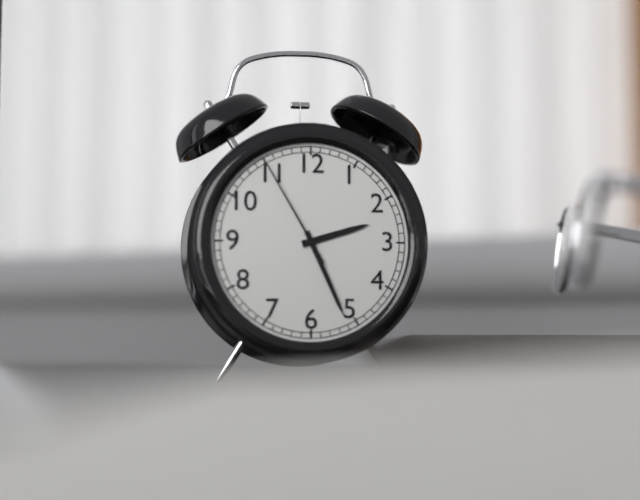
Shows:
2h26m55s
